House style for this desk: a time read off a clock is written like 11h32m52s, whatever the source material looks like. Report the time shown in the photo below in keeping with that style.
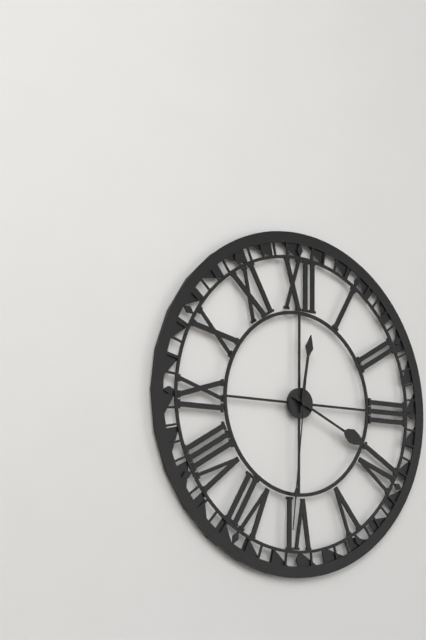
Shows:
12h19m31s
